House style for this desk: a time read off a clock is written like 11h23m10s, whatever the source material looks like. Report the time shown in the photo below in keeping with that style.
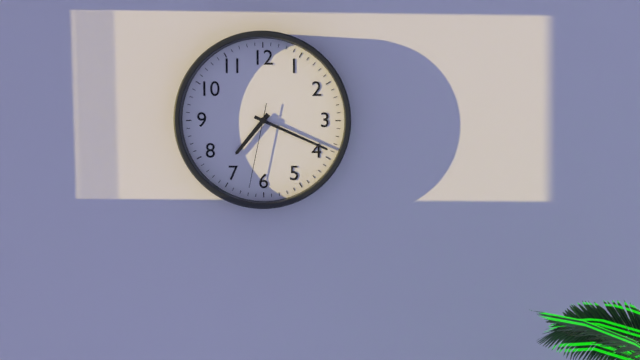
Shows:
7h19m32s
